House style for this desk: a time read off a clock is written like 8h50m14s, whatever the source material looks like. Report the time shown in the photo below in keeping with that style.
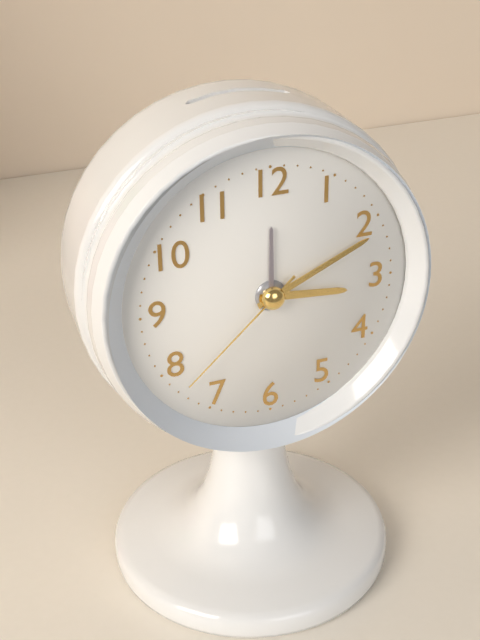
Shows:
3h11m38s
